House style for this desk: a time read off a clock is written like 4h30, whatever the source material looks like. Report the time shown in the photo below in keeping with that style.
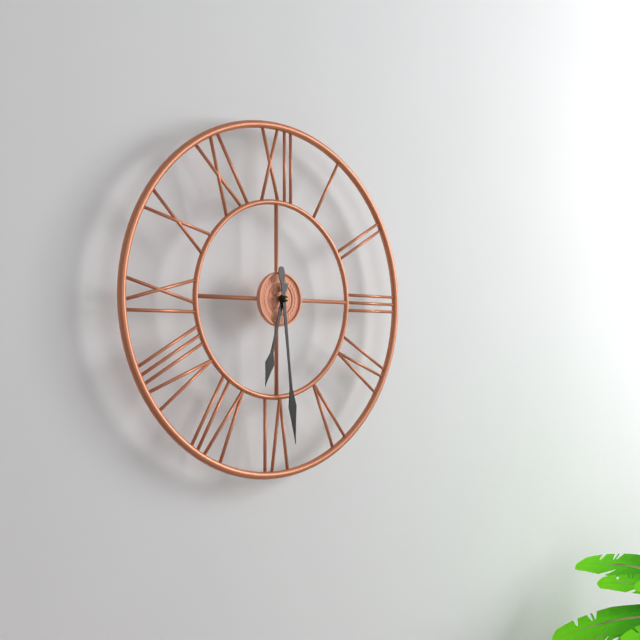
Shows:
6h29
